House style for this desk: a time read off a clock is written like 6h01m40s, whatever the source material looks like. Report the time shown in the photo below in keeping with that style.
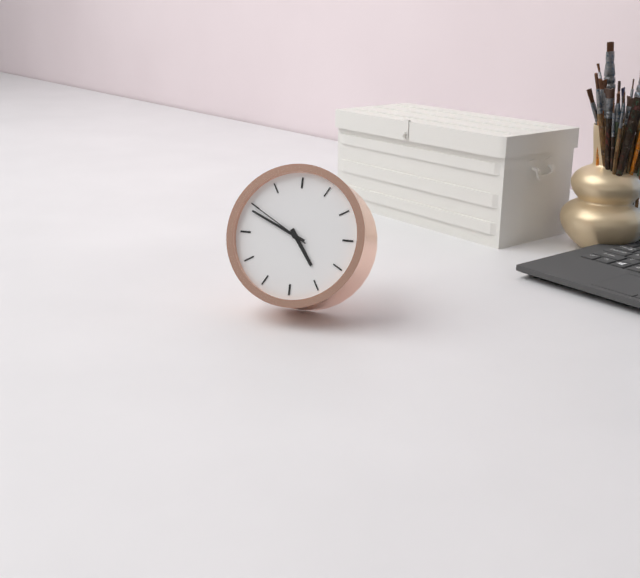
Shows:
4h49m50s
